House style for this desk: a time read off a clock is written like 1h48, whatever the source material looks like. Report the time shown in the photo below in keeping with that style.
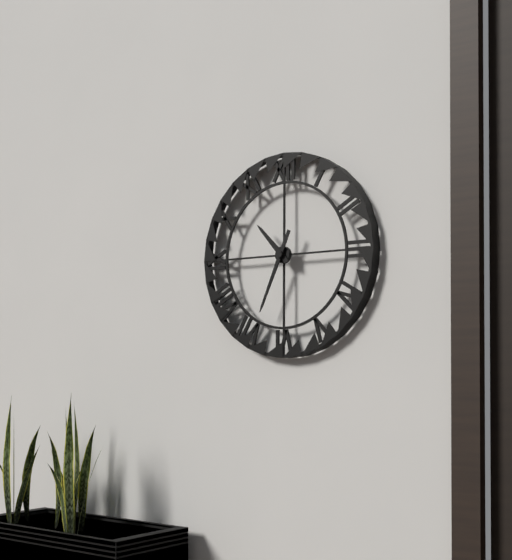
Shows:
10h34
